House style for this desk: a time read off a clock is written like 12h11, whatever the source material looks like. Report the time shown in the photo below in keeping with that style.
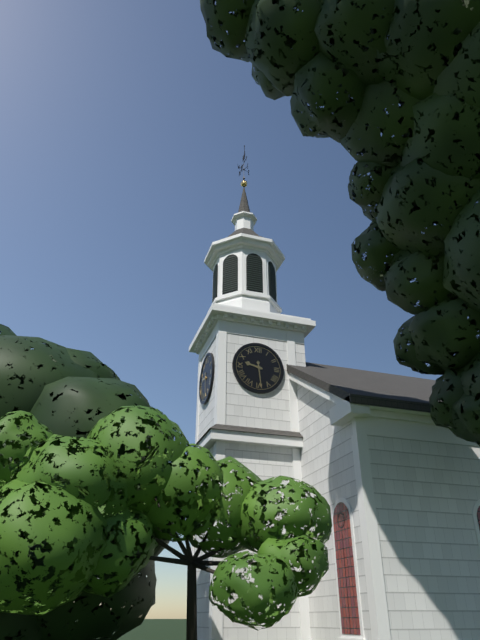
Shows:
9h29
